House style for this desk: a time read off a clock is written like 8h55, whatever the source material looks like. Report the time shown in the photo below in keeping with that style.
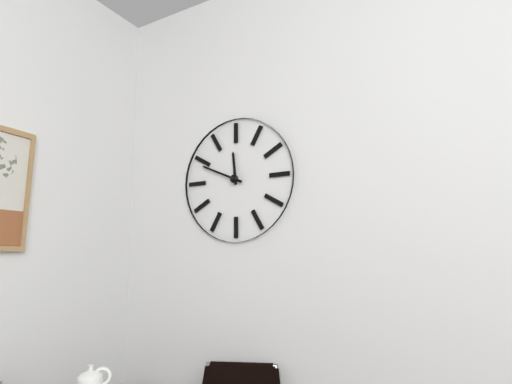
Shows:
11h49
